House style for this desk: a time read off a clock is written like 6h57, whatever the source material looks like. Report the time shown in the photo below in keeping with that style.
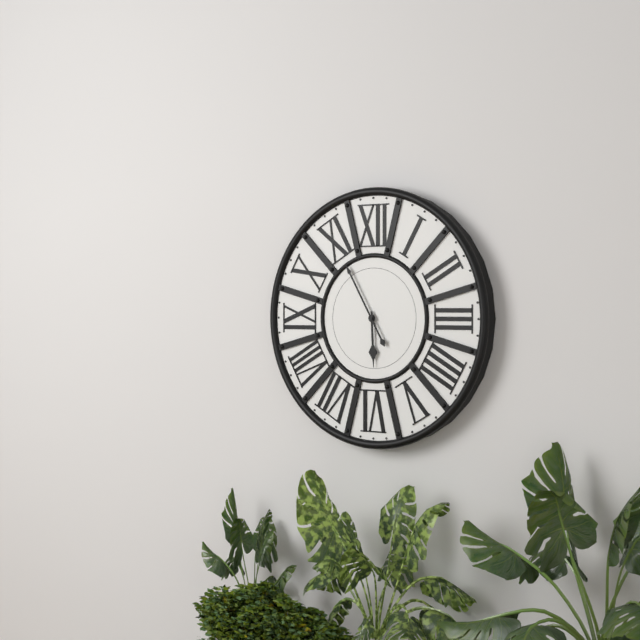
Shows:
5h55
